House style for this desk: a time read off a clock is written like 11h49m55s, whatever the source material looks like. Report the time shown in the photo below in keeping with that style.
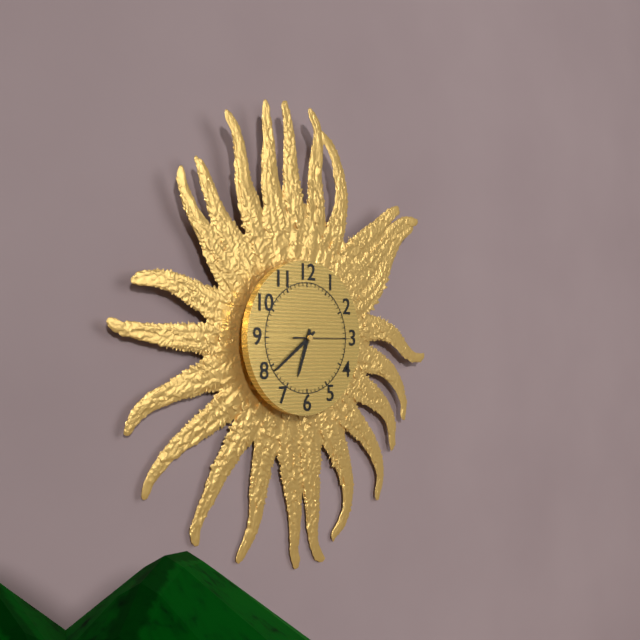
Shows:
6h39m15s
